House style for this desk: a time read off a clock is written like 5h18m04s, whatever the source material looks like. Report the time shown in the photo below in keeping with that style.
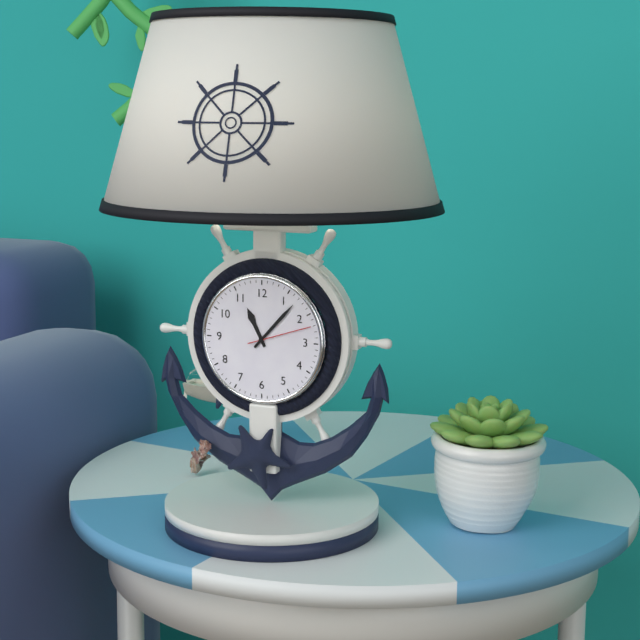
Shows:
11h07m12s
